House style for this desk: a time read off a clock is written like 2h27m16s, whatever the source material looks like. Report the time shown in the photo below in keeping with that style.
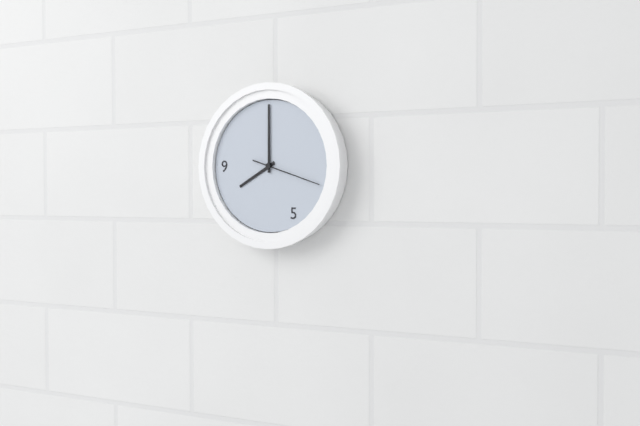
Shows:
8h00m18s
